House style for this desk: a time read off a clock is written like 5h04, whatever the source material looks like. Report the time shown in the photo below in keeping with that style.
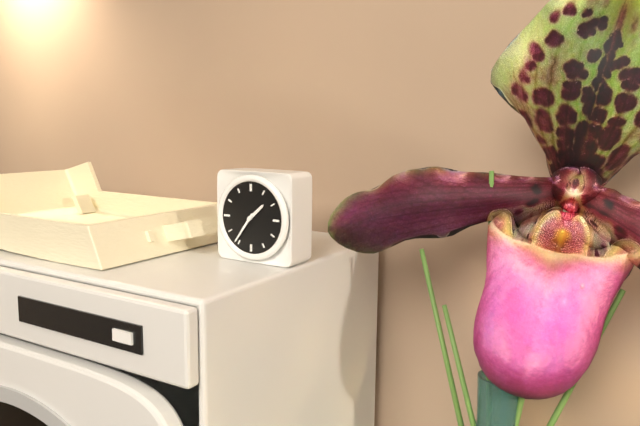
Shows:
1h36
